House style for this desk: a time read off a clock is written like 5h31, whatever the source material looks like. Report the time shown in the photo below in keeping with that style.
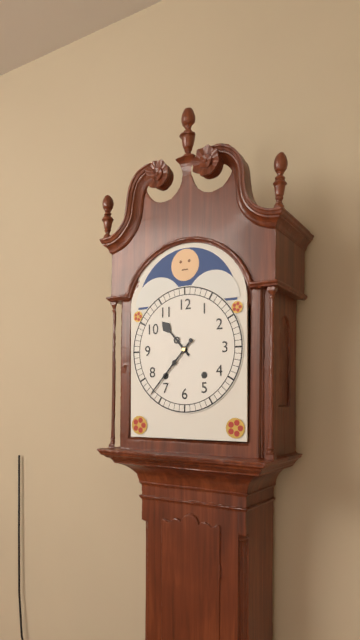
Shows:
10h37
